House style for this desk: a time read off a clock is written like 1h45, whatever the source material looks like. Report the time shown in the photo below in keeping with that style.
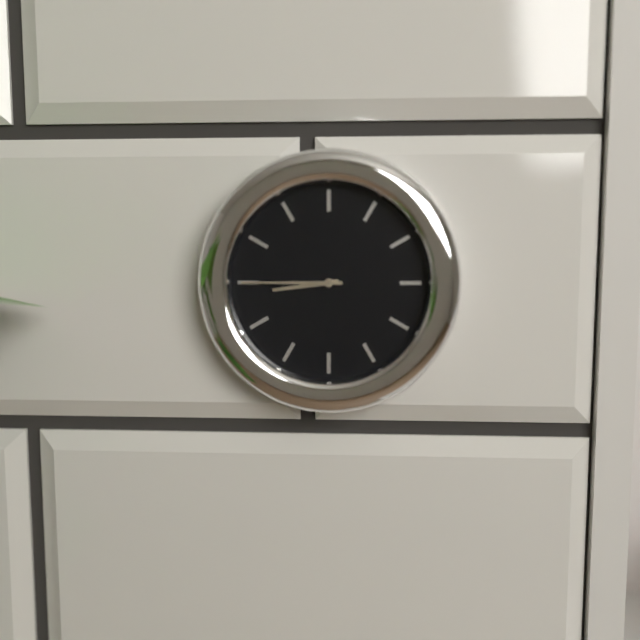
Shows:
8h45
